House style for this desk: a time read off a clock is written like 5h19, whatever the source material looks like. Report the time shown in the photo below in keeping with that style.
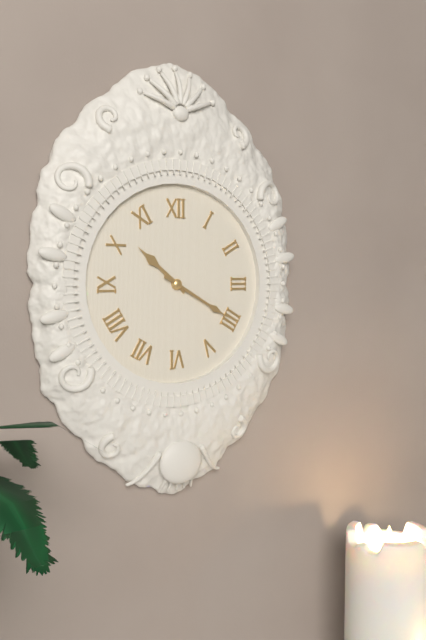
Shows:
10h20
